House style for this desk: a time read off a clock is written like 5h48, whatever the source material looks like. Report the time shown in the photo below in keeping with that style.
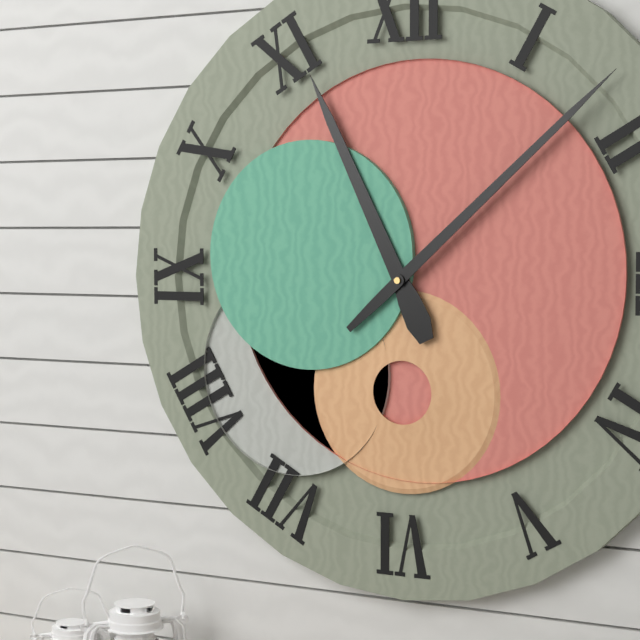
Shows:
11h08
